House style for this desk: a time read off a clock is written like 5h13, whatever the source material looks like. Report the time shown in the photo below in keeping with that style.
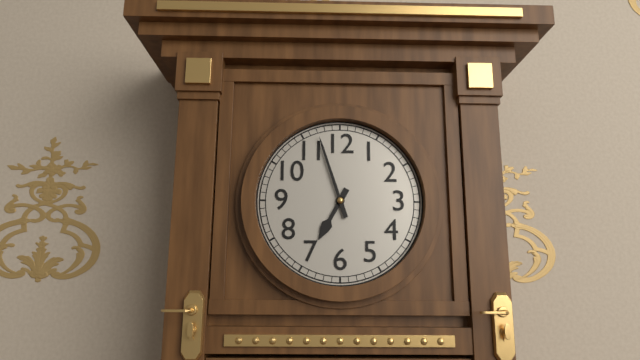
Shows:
6h57
